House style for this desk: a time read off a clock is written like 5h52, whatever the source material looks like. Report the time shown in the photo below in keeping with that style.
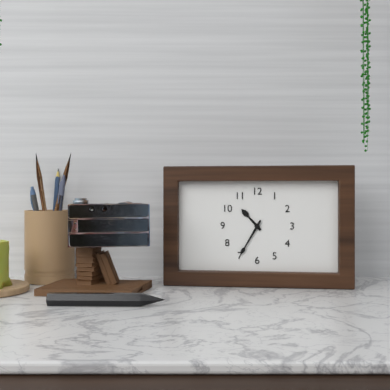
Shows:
10h35
